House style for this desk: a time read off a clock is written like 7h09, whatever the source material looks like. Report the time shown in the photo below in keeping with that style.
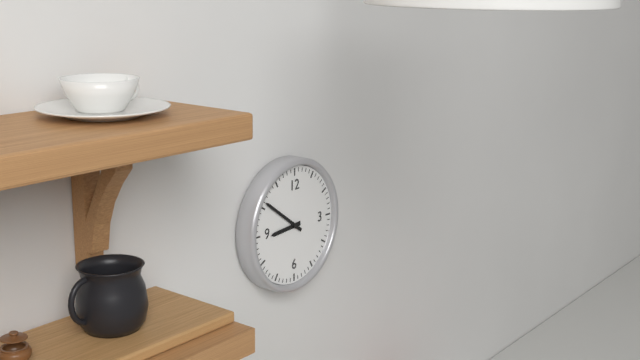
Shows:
8h51
